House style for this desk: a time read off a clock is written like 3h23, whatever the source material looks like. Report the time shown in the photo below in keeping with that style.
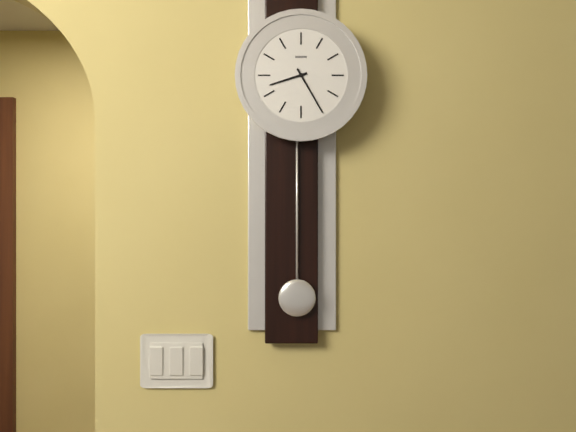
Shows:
8h25
